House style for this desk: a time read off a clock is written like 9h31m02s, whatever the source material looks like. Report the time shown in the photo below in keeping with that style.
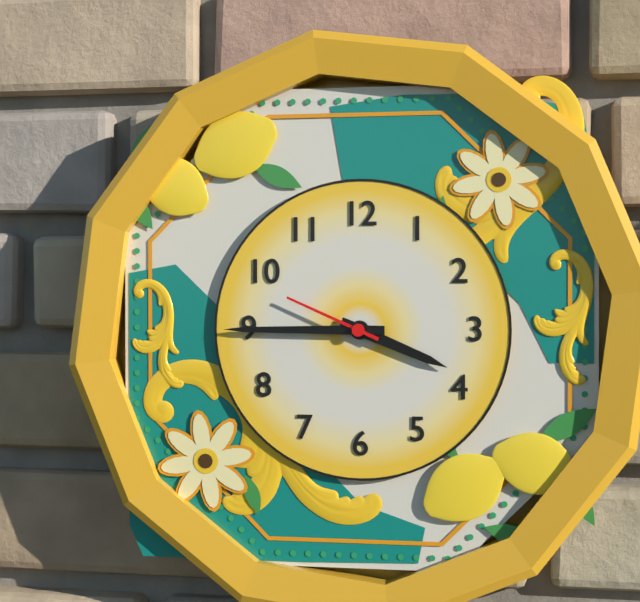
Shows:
3h45m49s
